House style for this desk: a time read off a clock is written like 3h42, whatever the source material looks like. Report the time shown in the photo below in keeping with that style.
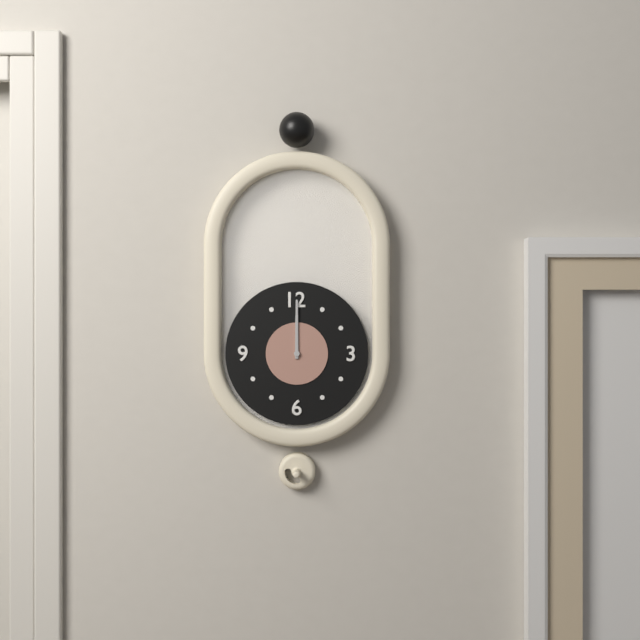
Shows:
12h00
